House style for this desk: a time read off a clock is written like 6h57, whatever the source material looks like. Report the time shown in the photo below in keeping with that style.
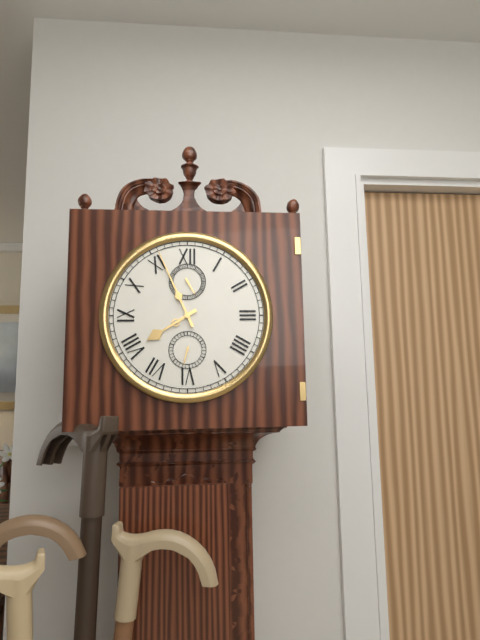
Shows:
7h56
